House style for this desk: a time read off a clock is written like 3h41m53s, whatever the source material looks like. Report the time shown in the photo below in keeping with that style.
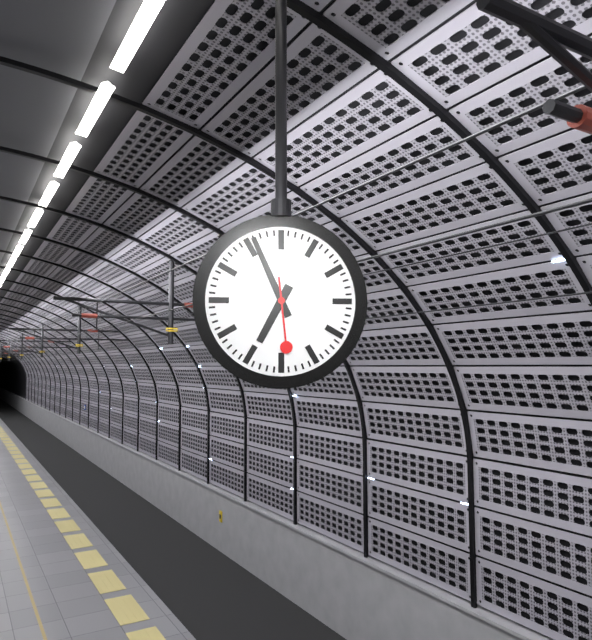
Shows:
6h56m29s
